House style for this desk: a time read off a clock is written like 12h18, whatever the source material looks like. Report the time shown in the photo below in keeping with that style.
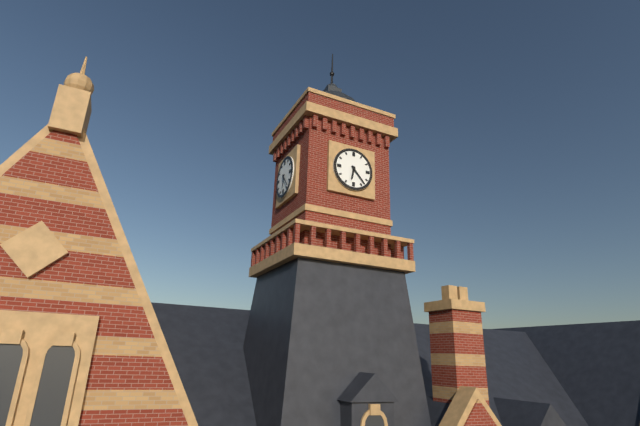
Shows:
6h23
